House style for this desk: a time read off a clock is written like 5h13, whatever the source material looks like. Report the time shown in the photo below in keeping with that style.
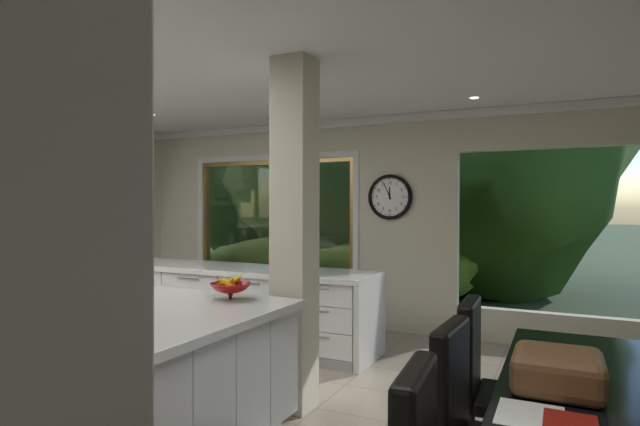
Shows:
11h56
